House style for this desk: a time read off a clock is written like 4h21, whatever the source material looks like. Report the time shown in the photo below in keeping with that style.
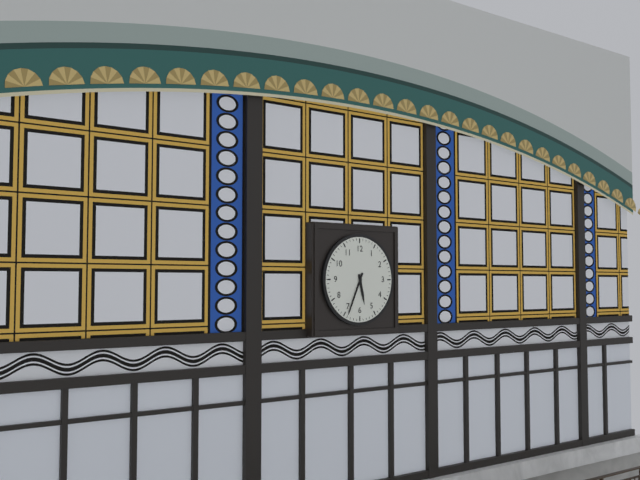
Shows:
5h34
